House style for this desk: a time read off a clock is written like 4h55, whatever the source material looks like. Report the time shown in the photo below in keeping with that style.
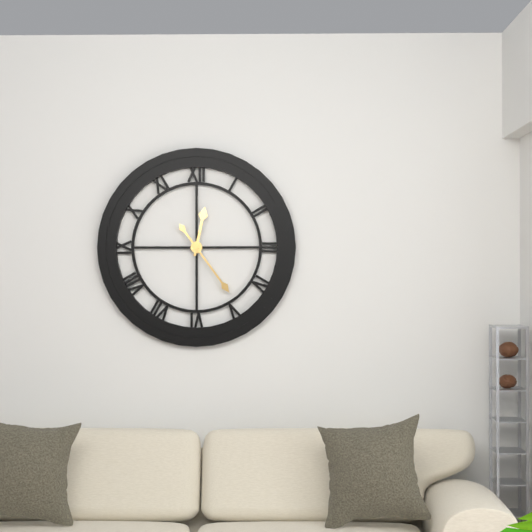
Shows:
12h24
